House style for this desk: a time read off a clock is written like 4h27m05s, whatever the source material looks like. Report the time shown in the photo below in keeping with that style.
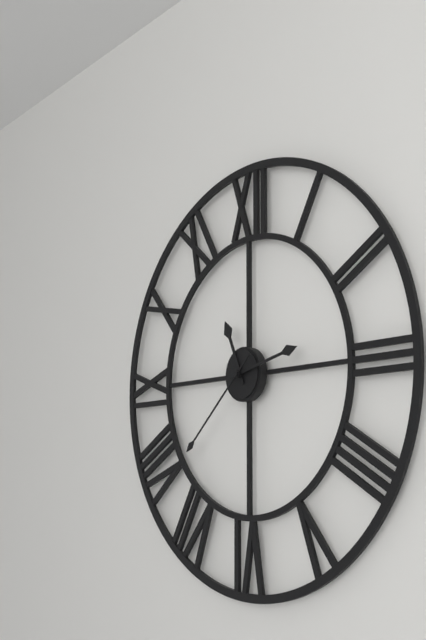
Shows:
11h13m38s
